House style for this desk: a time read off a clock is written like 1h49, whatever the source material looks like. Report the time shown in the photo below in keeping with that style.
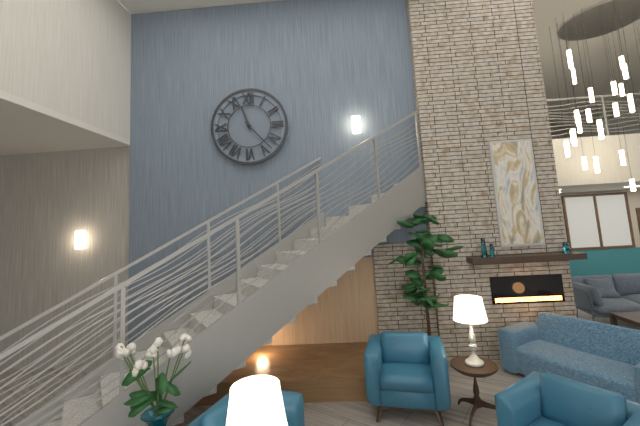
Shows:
11h23
